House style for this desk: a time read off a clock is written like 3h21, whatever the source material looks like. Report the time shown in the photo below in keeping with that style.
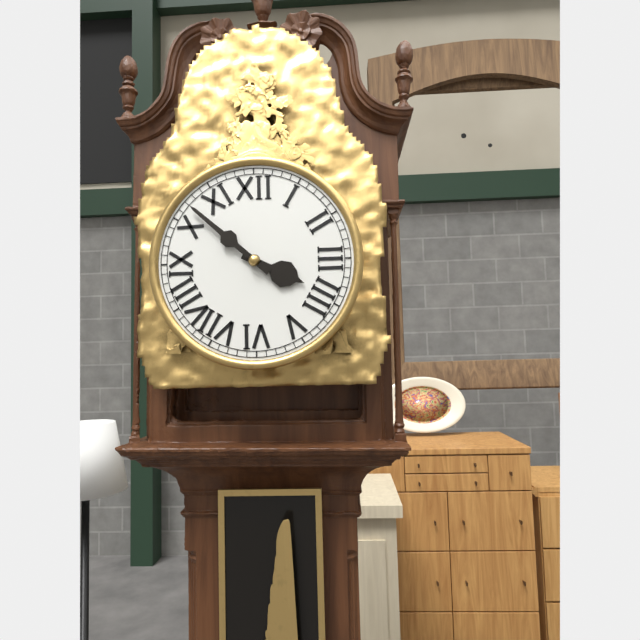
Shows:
3h52
